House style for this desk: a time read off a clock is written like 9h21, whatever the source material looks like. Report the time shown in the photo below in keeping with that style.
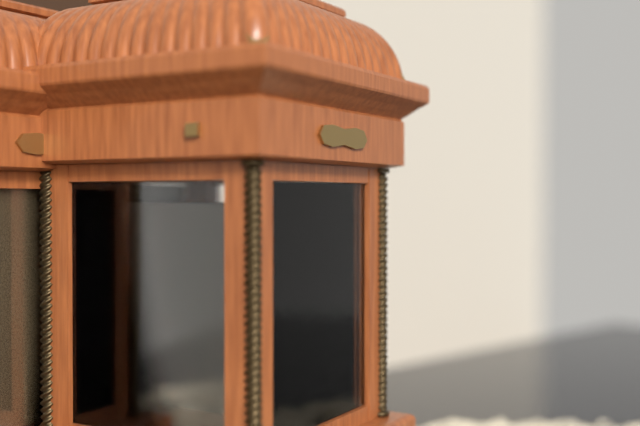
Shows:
12h08
